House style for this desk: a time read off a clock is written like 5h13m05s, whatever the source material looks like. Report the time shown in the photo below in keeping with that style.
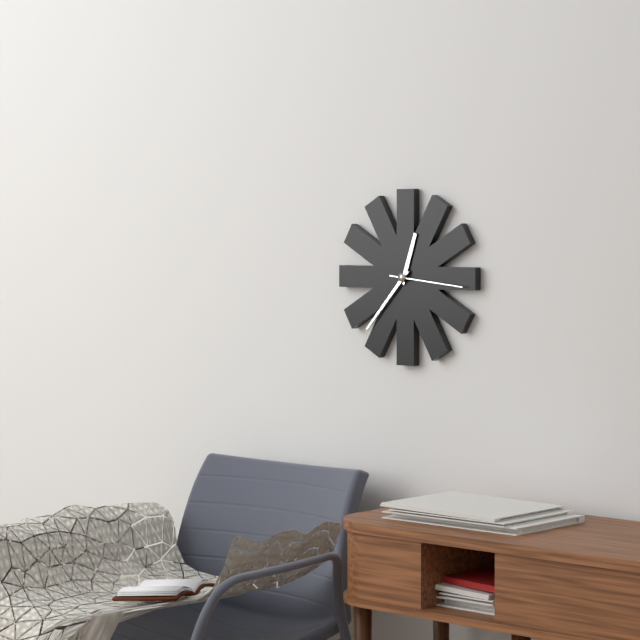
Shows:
12h37m16s
